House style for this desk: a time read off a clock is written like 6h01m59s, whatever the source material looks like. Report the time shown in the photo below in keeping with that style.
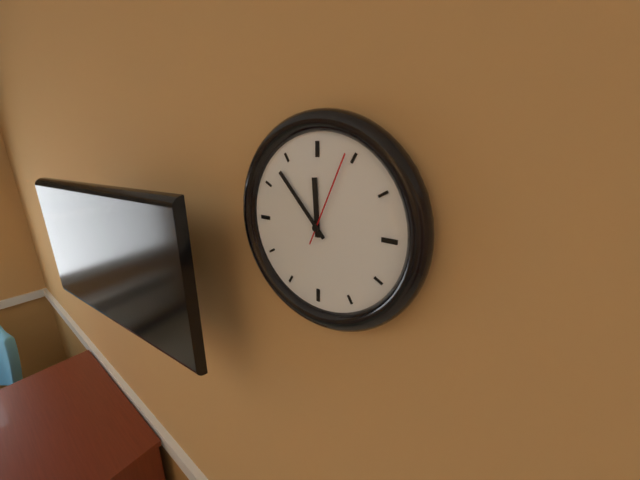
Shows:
11h53m04s
